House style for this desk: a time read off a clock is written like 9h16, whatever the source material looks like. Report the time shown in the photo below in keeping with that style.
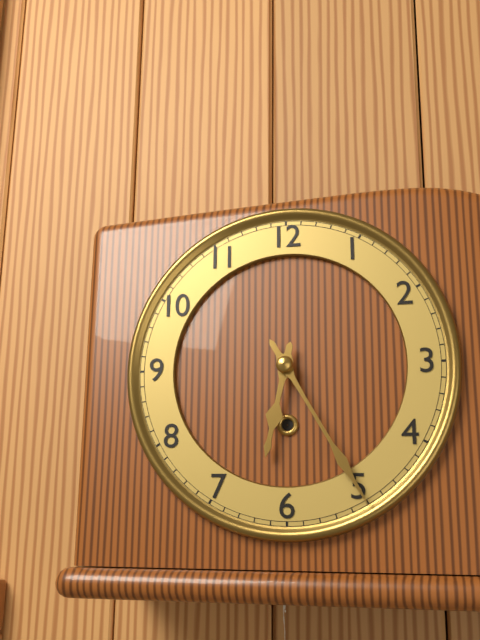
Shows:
6h25
